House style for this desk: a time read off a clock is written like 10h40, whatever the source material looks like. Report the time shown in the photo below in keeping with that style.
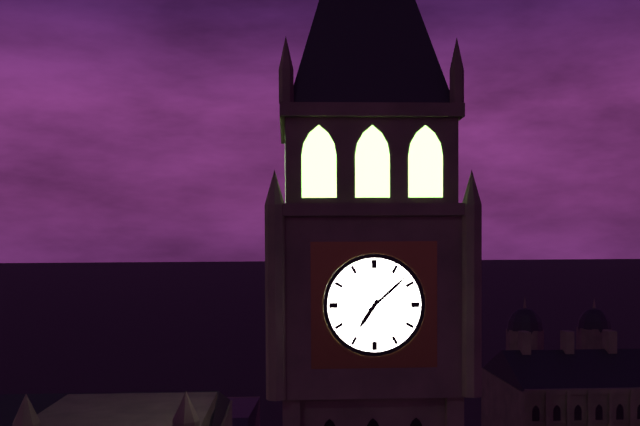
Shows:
7h08
